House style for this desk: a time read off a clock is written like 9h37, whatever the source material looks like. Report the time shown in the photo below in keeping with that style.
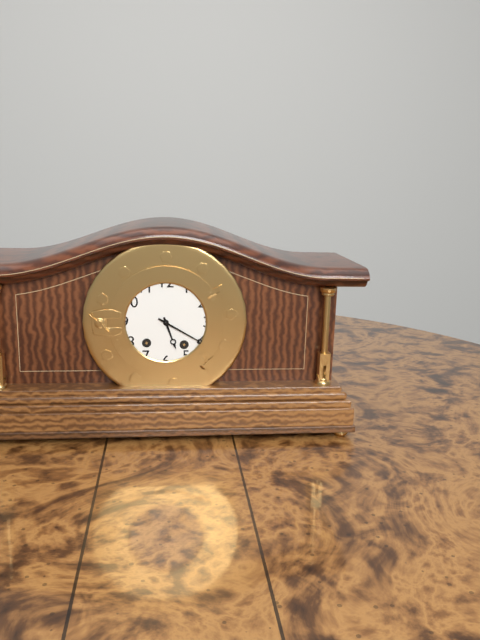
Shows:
5h20
